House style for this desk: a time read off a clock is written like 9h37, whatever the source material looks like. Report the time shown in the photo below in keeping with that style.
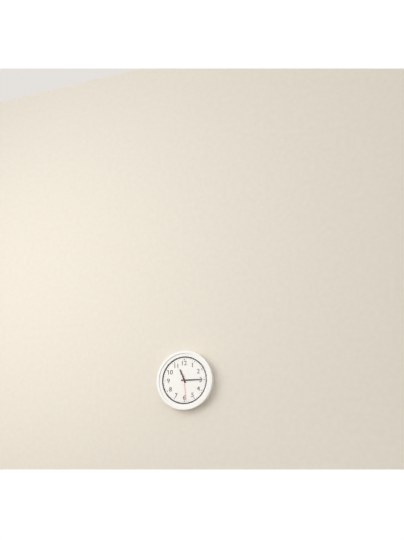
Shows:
11h15
